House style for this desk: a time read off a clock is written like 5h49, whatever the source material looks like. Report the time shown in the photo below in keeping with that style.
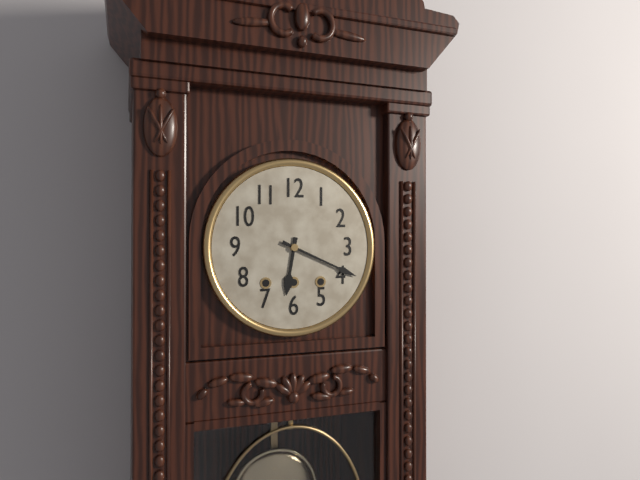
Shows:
6h19
